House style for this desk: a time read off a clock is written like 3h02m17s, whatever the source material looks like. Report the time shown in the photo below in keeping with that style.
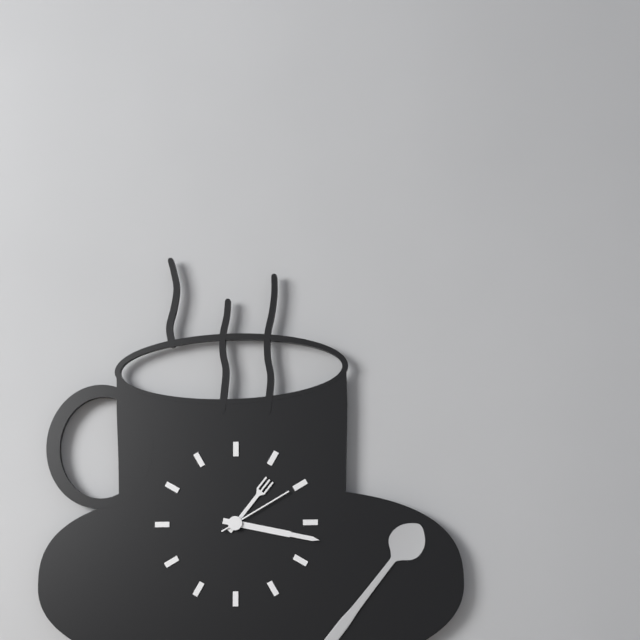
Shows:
1h17m10s
